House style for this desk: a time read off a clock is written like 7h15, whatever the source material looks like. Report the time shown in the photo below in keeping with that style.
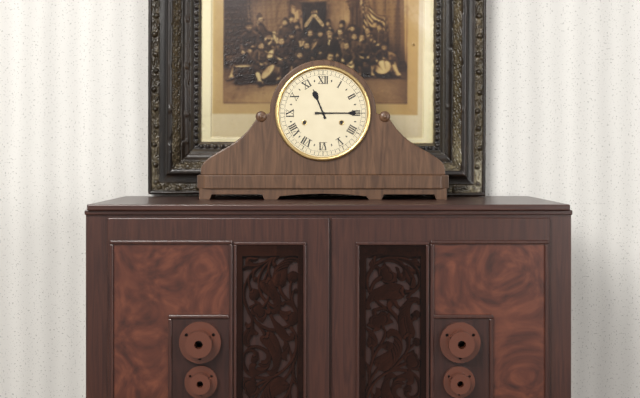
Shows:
11h15
